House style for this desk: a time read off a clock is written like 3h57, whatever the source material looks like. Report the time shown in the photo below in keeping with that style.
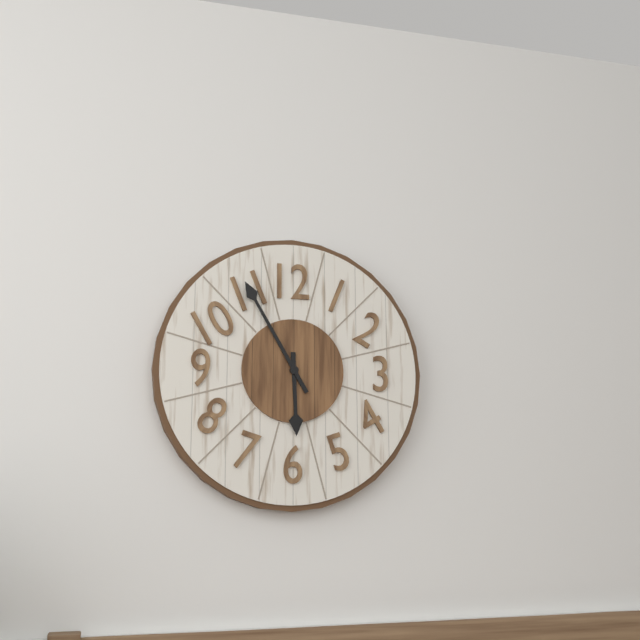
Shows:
5h55
